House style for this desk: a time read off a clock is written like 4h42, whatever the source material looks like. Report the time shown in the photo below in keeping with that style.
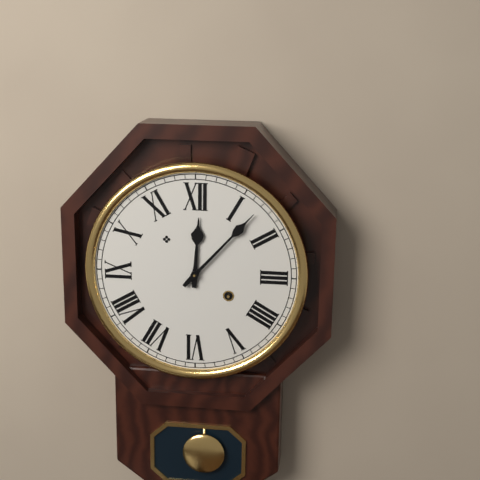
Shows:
12h07
